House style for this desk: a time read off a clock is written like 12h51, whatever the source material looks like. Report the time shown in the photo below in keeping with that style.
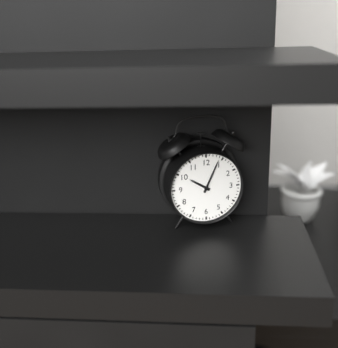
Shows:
10h04
